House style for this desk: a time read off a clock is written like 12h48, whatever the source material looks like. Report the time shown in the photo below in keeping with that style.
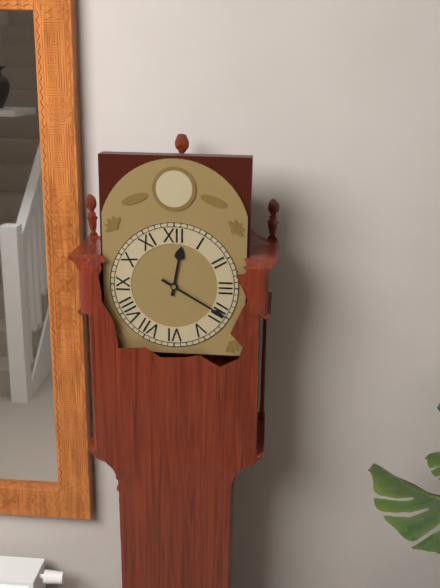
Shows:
12h20
